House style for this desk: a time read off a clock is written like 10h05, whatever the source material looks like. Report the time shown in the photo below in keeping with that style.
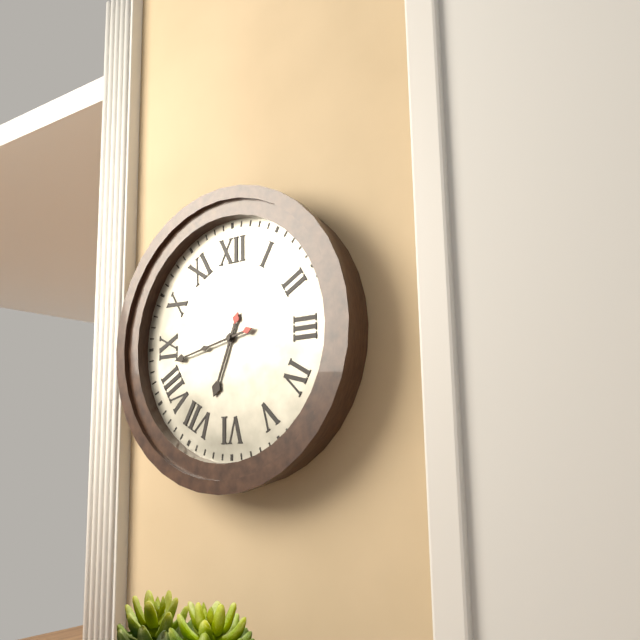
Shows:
6h43
